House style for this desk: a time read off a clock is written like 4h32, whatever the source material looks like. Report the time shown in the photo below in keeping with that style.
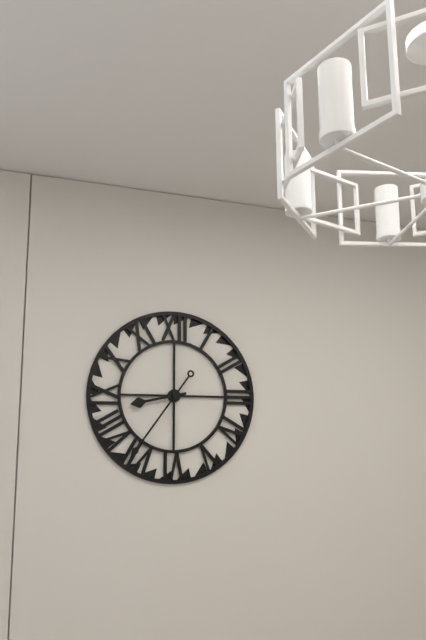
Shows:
8h36
